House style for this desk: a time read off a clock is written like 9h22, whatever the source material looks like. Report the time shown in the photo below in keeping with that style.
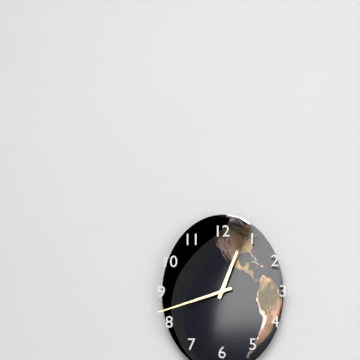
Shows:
12h42
